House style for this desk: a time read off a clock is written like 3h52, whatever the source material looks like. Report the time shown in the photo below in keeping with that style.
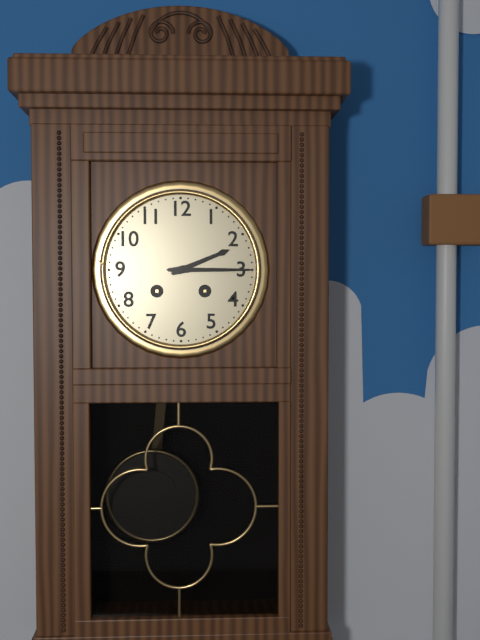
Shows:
2h15
